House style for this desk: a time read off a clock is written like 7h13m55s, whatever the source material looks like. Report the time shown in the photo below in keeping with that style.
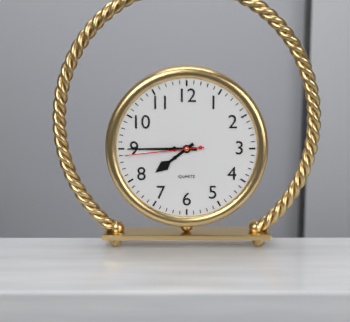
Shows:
7h45m44s
